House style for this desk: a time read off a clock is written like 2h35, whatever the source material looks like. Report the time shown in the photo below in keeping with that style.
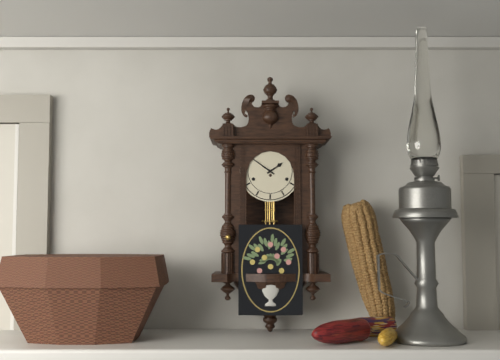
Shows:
1h51
